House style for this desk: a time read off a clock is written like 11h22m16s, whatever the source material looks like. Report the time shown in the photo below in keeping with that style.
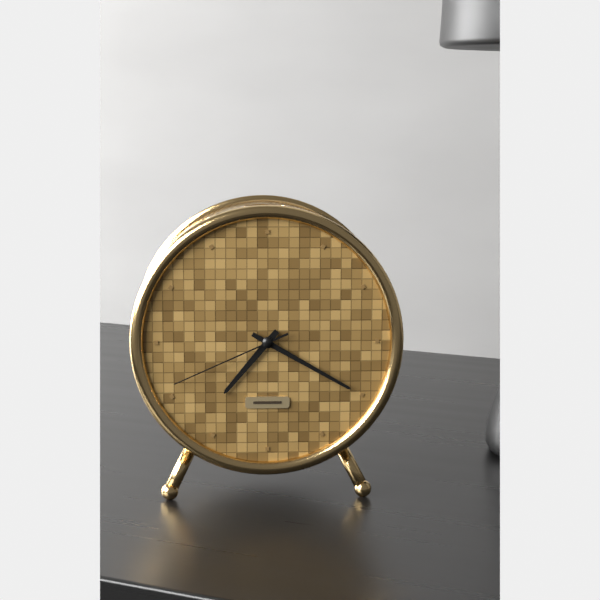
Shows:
7h20m41s
